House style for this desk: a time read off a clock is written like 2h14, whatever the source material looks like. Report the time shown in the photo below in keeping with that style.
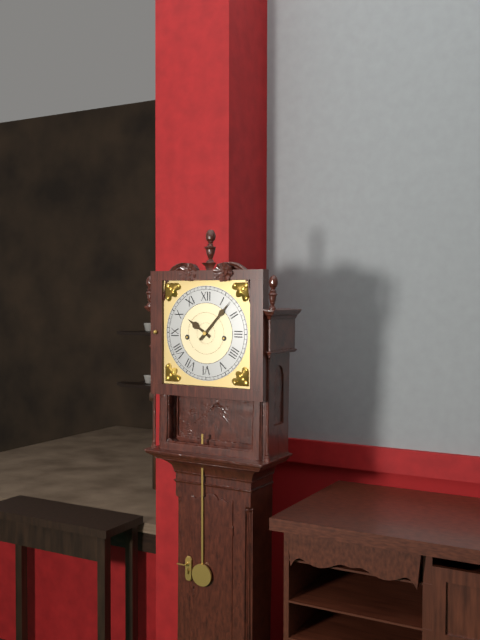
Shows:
10h07
